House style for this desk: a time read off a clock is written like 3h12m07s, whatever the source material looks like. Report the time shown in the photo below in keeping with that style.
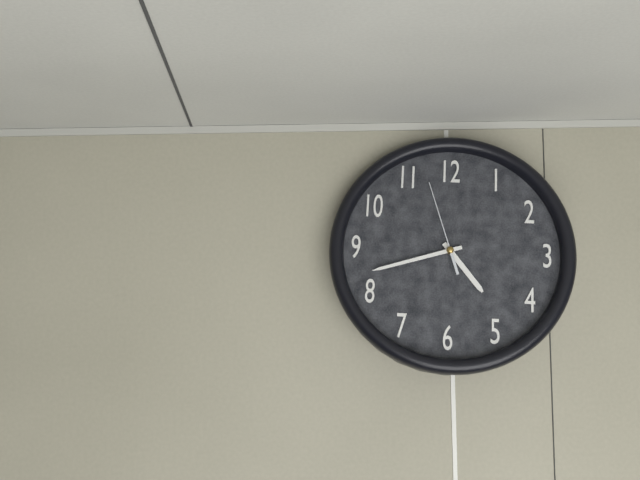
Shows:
4h42m57s
